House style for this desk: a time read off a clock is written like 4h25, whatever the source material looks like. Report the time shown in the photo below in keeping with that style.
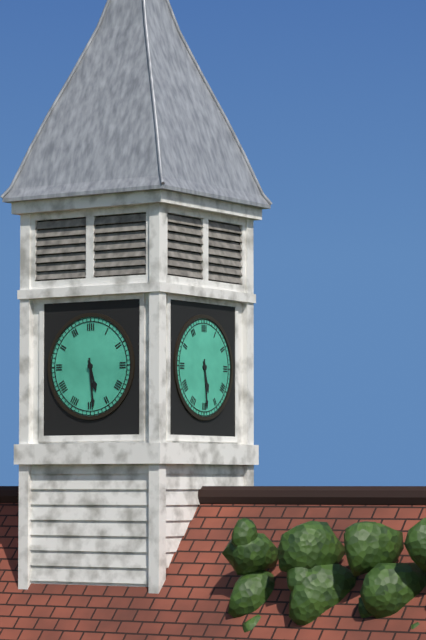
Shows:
5h29
